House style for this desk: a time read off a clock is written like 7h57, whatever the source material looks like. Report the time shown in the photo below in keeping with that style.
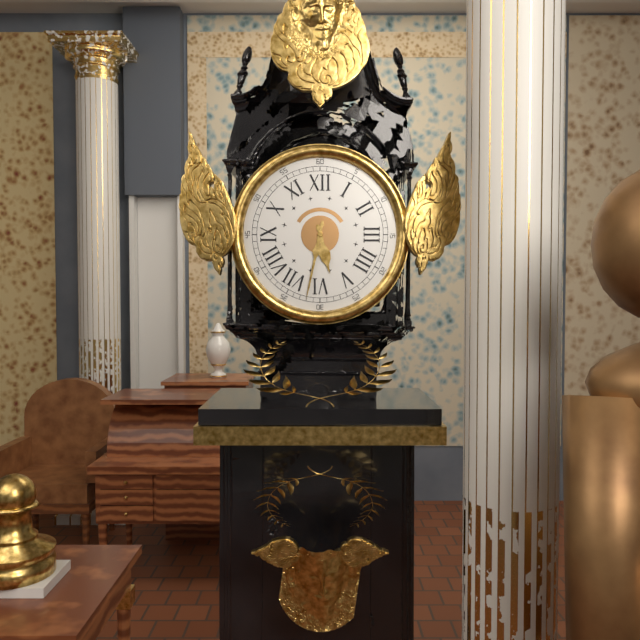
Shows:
5h32
